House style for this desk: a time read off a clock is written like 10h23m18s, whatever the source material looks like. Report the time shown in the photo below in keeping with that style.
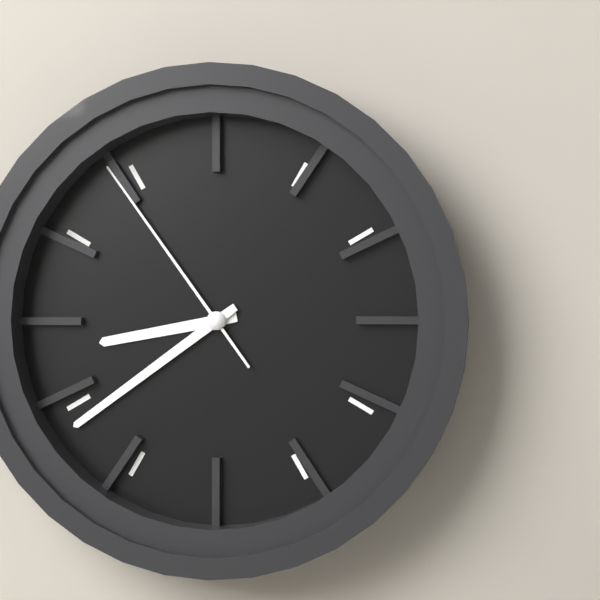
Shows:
8h39m54s
